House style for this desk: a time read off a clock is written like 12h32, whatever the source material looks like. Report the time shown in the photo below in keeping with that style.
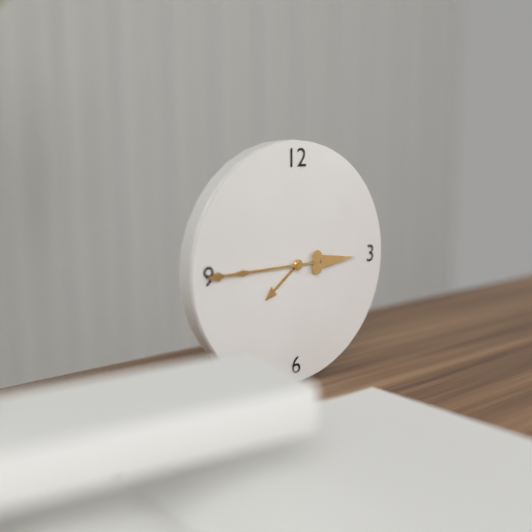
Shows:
7h45
